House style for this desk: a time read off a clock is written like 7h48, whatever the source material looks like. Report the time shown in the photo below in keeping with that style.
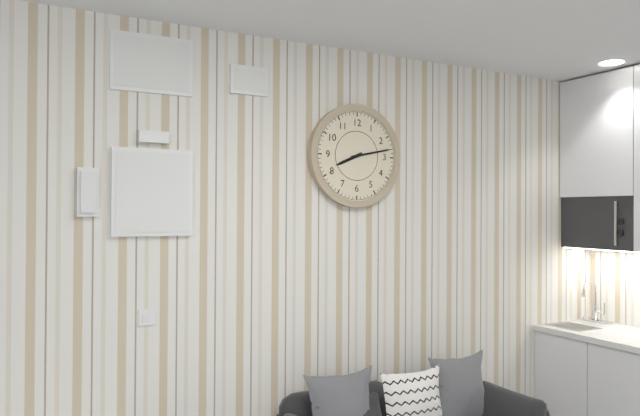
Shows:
8h13
